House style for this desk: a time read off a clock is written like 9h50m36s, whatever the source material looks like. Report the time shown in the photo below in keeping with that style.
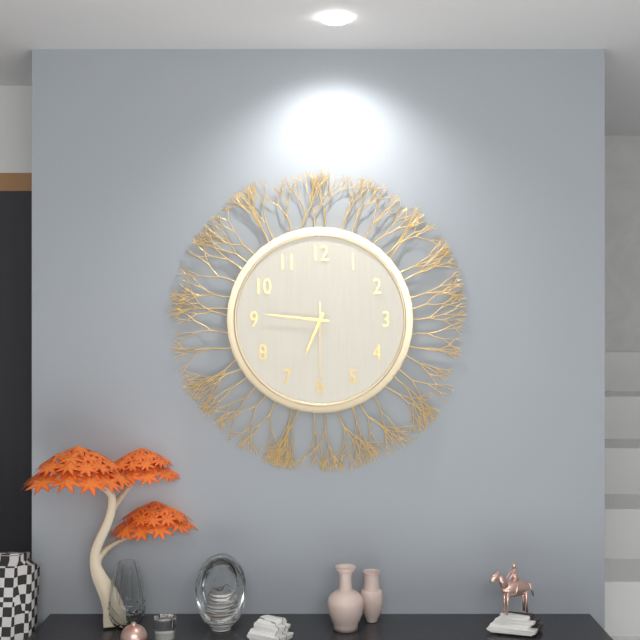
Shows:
6h46m30s
